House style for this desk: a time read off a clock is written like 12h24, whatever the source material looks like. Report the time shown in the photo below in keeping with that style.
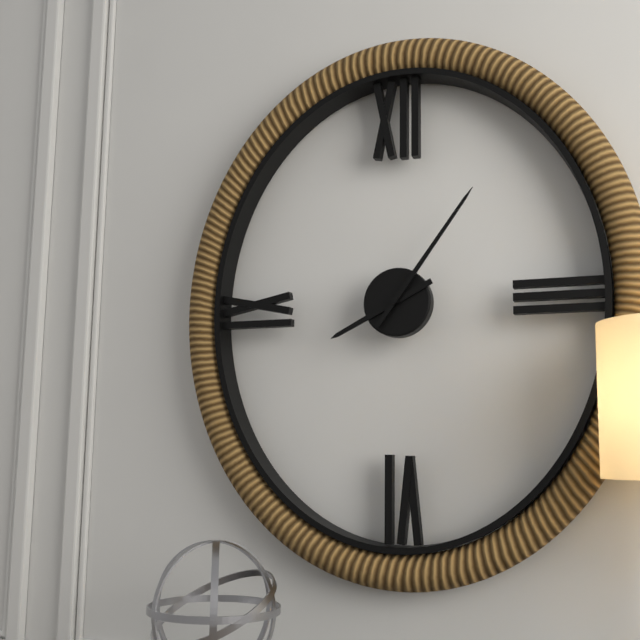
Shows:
8h06
